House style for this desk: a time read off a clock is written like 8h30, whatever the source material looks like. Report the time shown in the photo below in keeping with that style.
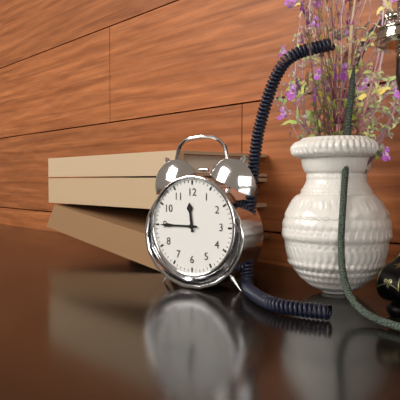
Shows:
11h45
